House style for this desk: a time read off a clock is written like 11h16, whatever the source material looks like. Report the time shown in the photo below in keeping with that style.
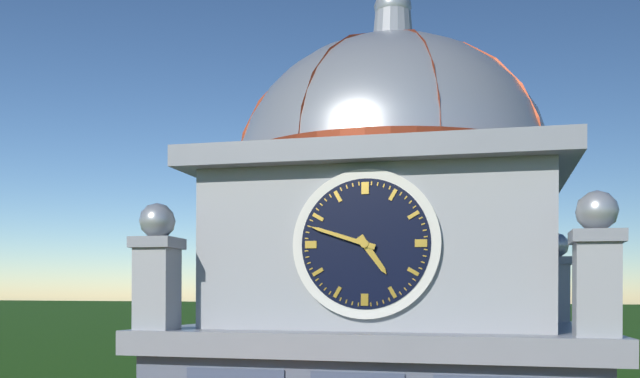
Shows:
4h48
